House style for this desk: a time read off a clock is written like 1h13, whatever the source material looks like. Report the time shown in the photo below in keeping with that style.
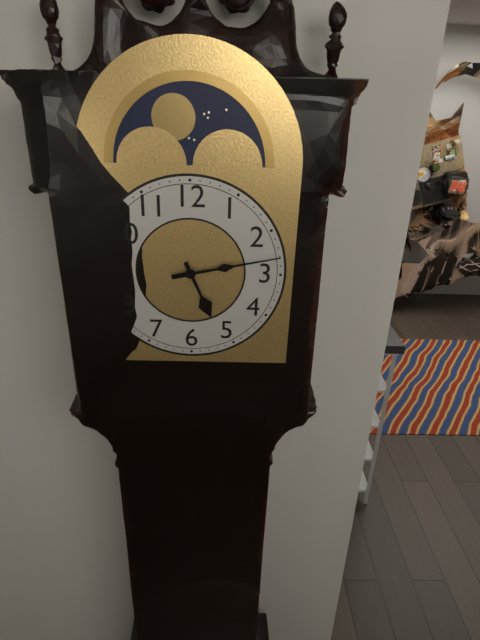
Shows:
5h13
